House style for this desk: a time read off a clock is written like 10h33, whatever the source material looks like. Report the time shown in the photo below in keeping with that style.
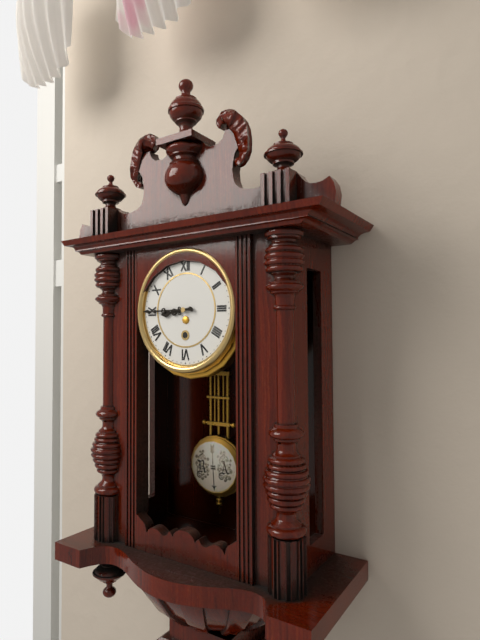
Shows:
8h45
